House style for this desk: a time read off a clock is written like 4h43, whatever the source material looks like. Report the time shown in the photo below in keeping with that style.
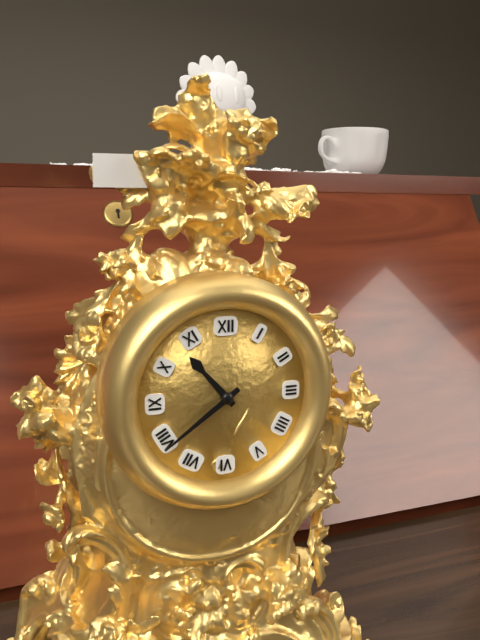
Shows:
10h39
